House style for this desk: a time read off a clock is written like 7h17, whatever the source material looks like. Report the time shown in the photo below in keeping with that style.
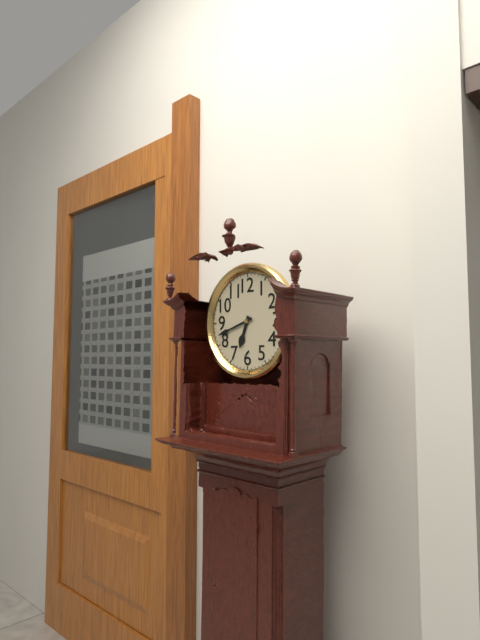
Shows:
6h42
